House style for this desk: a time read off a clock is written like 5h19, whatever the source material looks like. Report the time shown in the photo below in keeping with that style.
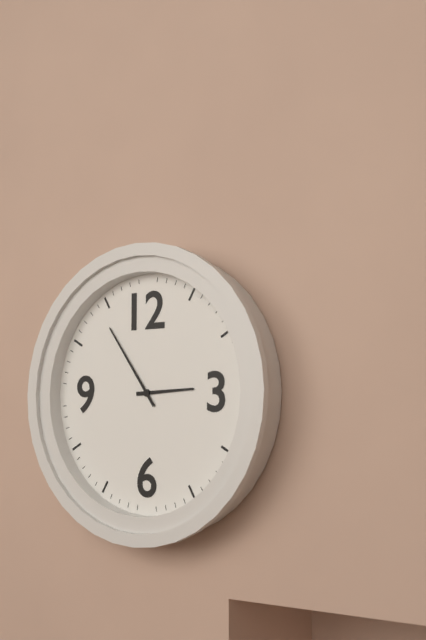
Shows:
2h54
